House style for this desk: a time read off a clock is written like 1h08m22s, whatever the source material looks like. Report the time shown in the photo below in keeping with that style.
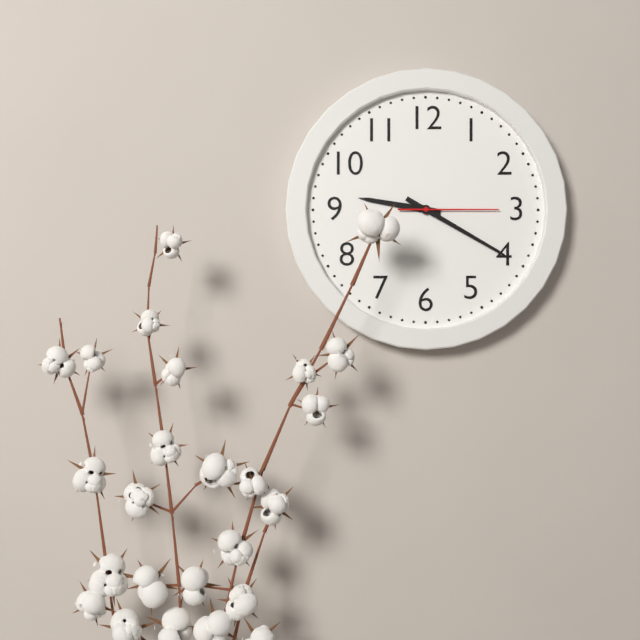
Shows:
9h20m15s
